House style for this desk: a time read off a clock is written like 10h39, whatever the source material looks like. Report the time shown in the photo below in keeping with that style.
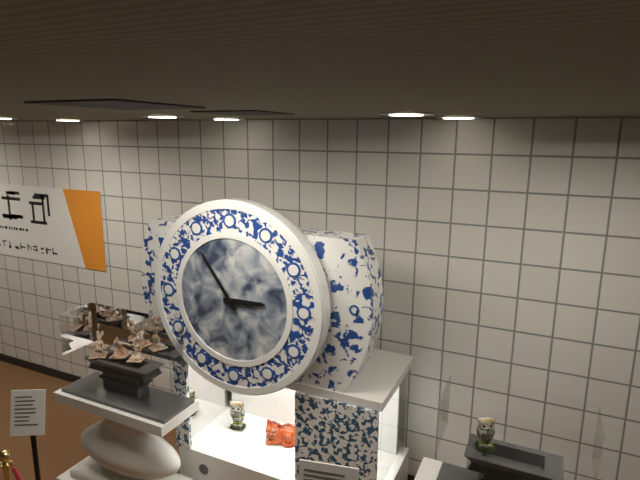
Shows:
2h54
